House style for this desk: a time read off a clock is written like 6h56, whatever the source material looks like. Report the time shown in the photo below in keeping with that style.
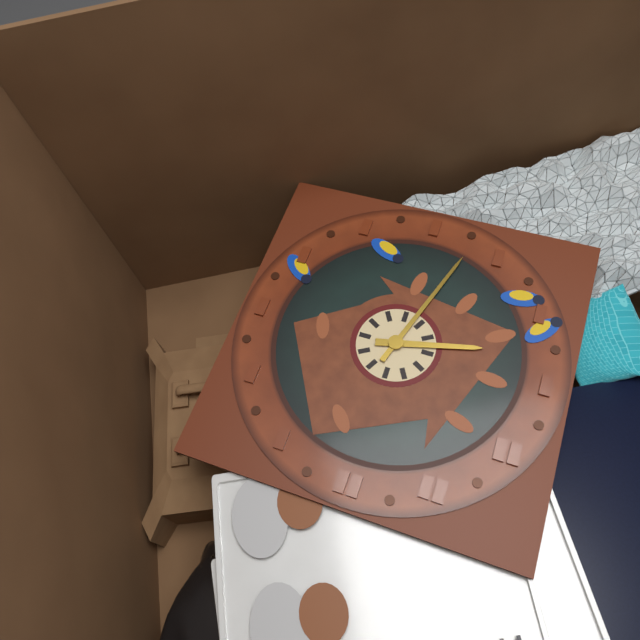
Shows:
8h33
